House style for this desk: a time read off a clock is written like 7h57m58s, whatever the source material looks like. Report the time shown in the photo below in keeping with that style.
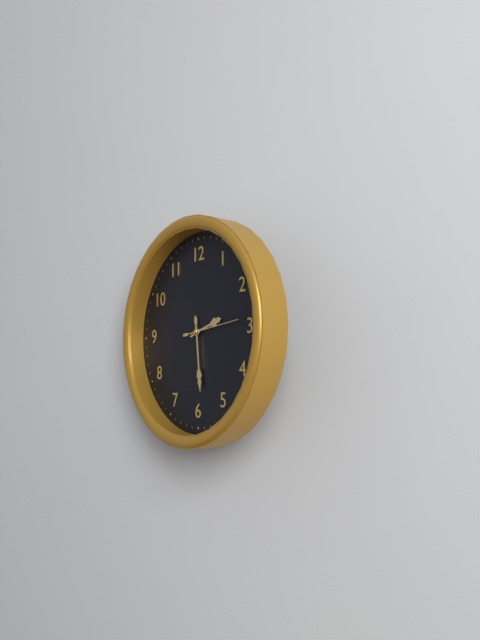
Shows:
2h29m14s
